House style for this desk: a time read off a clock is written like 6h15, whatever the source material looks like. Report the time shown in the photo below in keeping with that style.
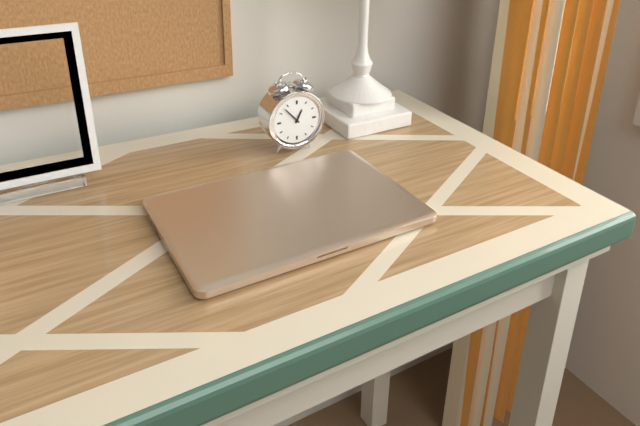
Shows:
12h53
